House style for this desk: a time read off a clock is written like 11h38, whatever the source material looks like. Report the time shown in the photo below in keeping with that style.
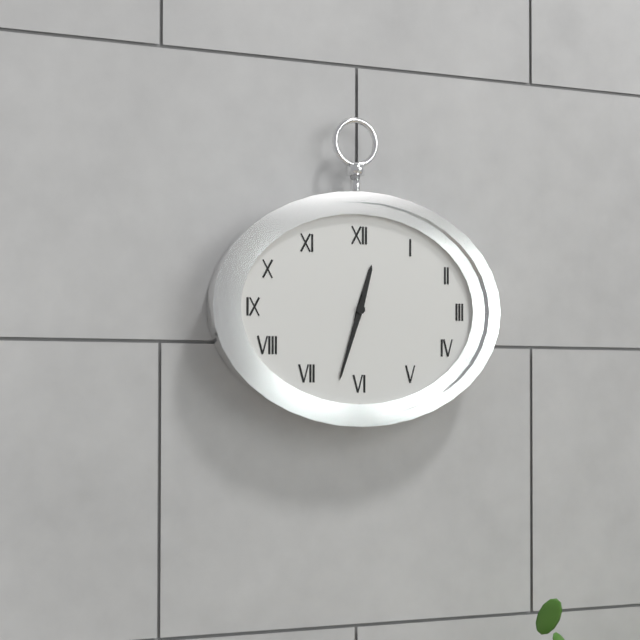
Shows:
12h33
